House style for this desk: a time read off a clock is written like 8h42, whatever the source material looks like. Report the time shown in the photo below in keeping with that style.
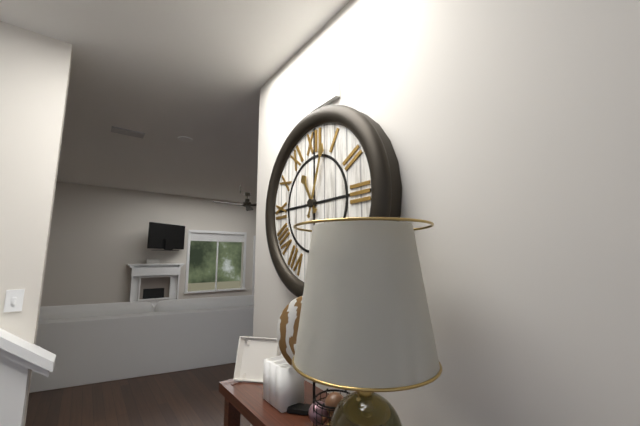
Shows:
11h03
